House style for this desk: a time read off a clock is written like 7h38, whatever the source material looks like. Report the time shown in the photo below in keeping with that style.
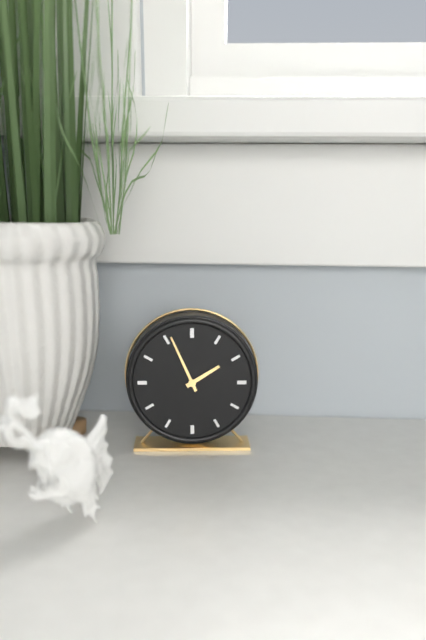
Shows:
1h56
